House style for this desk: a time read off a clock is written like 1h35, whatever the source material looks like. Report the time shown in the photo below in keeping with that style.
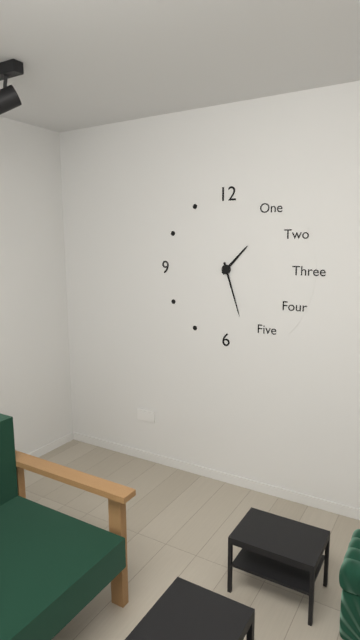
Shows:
1h27
